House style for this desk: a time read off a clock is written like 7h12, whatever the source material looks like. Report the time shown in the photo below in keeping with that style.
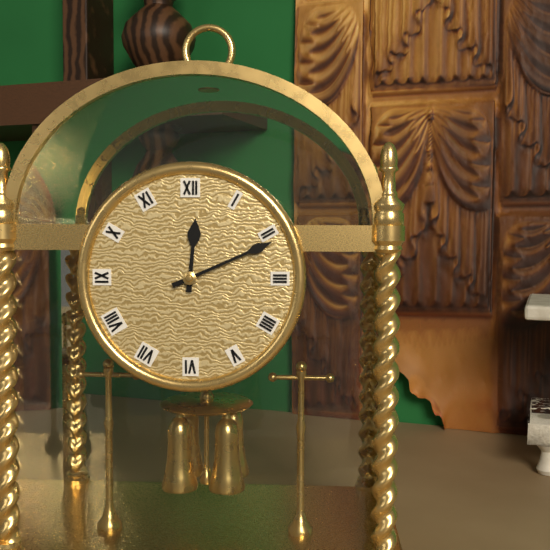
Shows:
12h11
